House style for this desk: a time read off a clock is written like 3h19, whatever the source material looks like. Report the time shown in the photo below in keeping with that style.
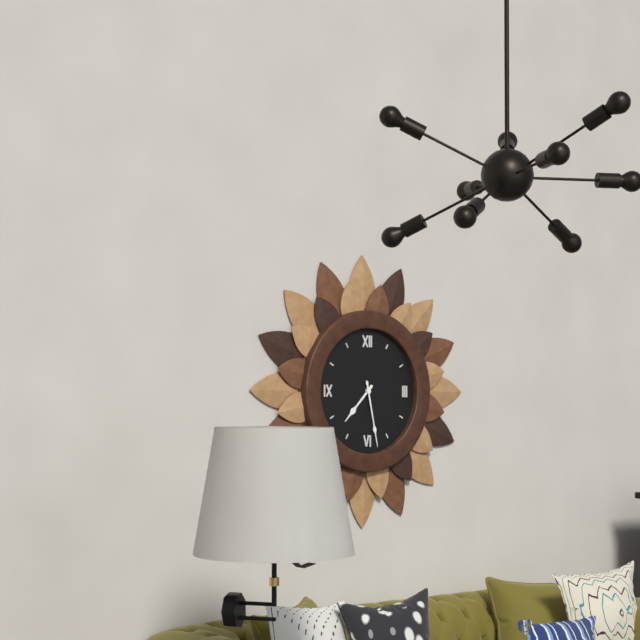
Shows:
7h28
